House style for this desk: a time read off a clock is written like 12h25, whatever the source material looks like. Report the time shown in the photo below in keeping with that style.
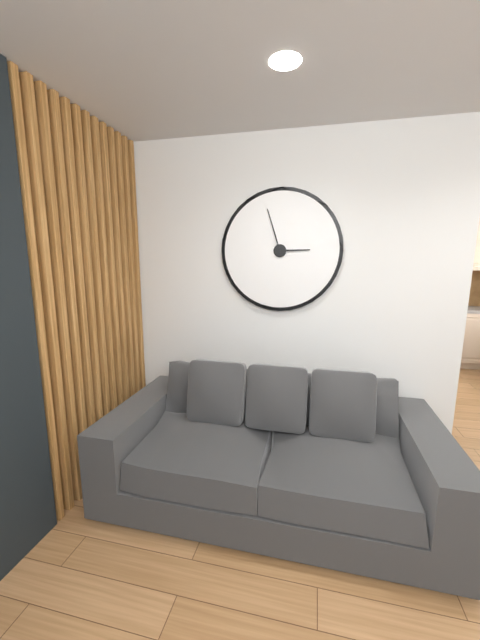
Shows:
2h57
